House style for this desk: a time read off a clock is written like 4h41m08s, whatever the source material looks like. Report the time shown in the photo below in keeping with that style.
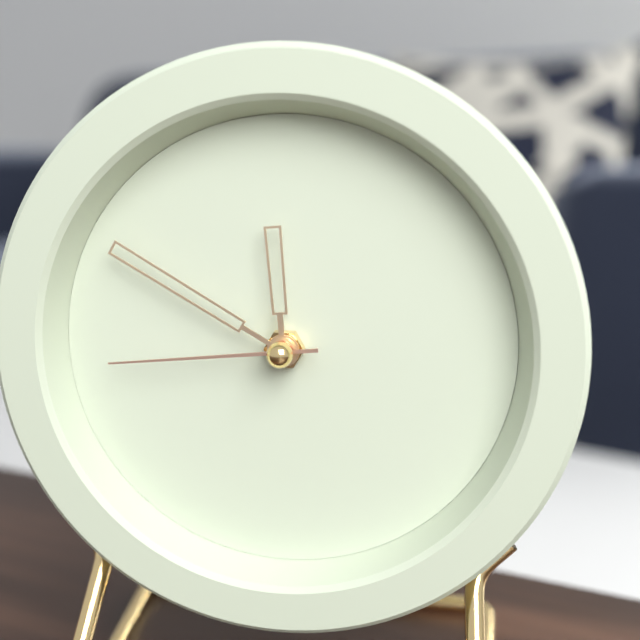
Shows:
11h50m44s
